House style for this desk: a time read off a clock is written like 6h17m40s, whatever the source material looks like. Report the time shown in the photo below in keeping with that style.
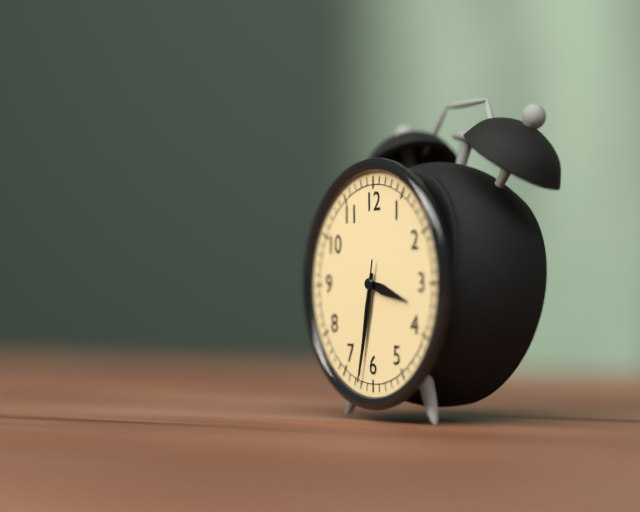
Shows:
3h32m32s
